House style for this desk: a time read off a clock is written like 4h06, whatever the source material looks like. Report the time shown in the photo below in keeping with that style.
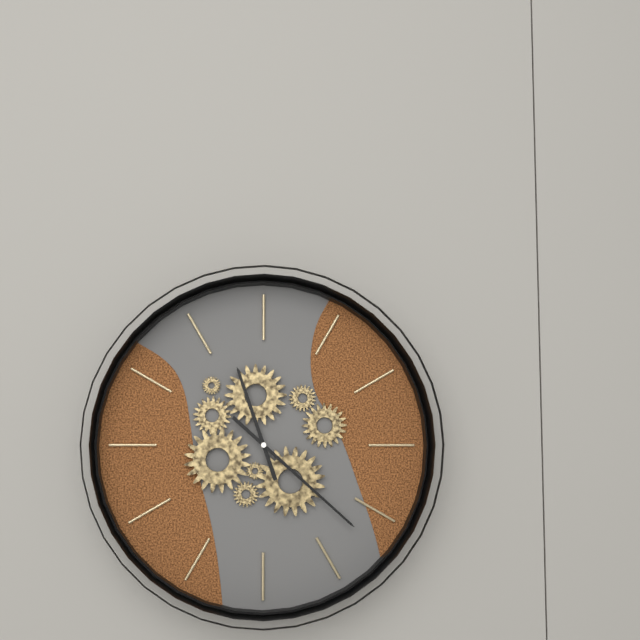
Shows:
11h22
